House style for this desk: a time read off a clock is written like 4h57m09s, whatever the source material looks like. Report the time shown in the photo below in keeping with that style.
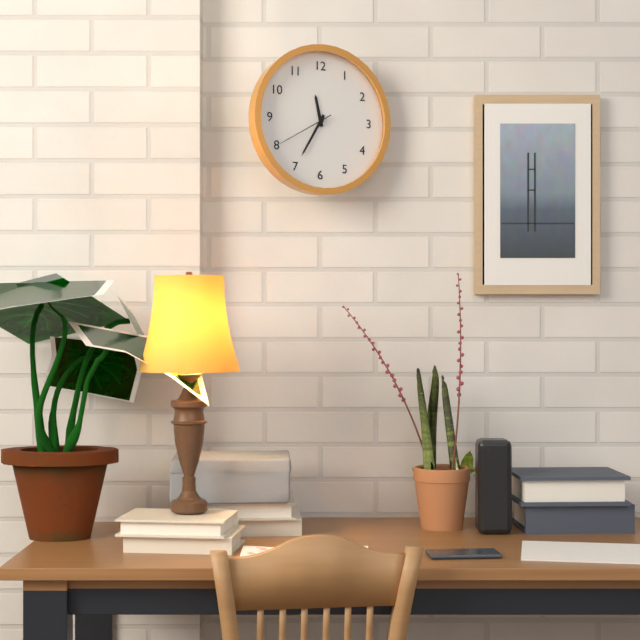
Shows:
11h35m40s
